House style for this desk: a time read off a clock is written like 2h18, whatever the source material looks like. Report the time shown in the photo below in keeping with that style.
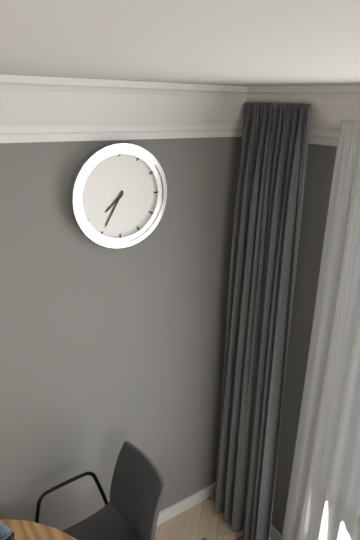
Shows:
7h35
